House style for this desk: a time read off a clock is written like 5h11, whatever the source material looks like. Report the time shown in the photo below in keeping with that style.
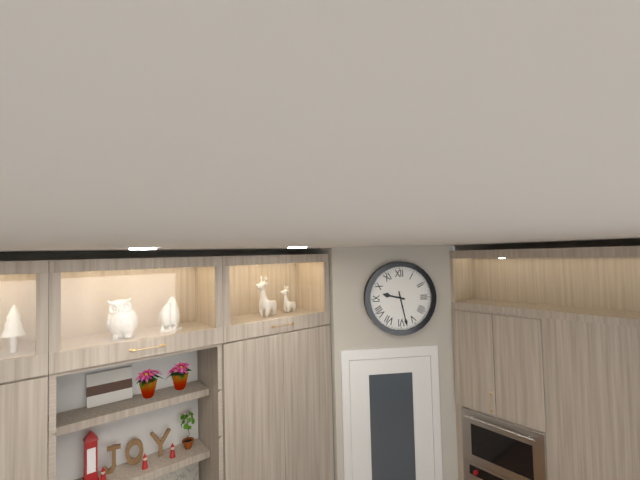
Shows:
9h28
